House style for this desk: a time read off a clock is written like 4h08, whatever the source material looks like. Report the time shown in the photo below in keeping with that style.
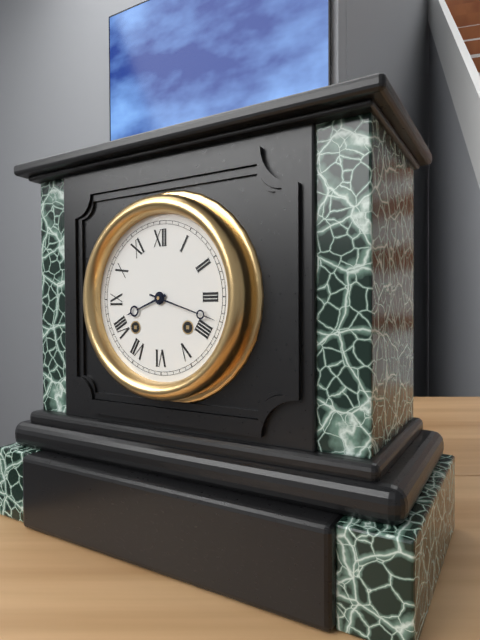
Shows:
8h18
